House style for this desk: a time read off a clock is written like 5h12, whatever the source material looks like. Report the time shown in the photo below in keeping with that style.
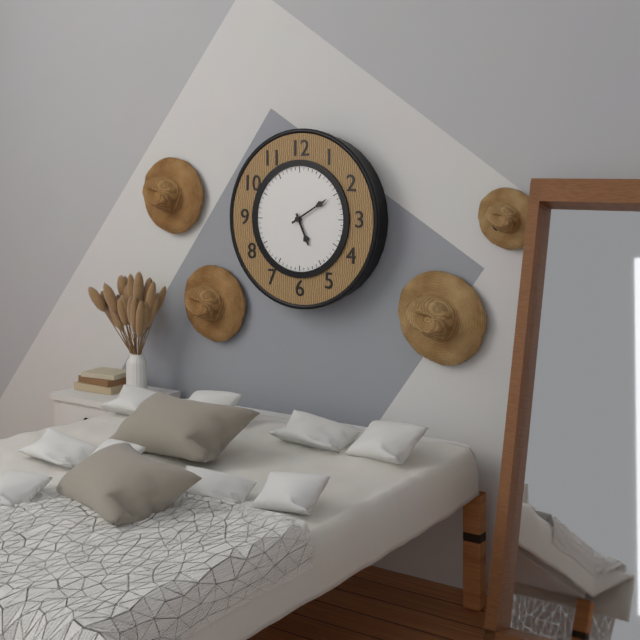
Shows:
5h10
